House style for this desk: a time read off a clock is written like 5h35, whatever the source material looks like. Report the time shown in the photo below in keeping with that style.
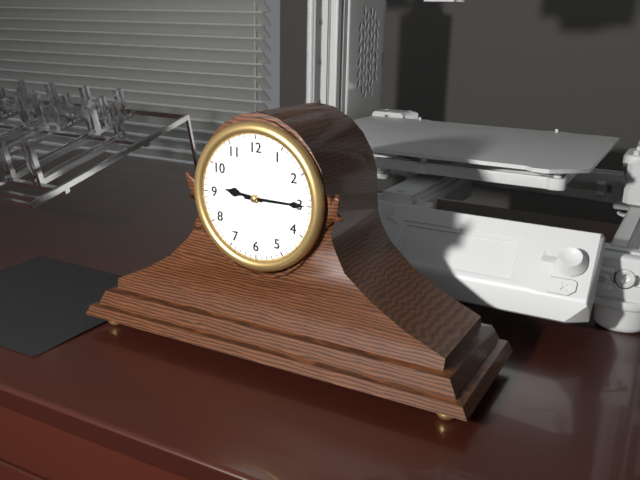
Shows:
9h15
